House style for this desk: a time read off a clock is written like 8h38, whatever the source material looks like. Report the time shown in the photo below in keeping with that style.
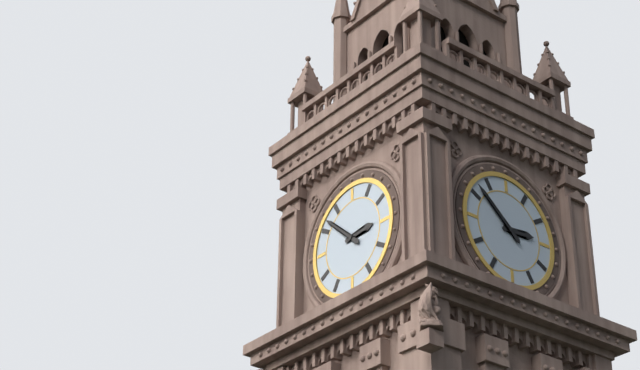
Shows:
2h52
